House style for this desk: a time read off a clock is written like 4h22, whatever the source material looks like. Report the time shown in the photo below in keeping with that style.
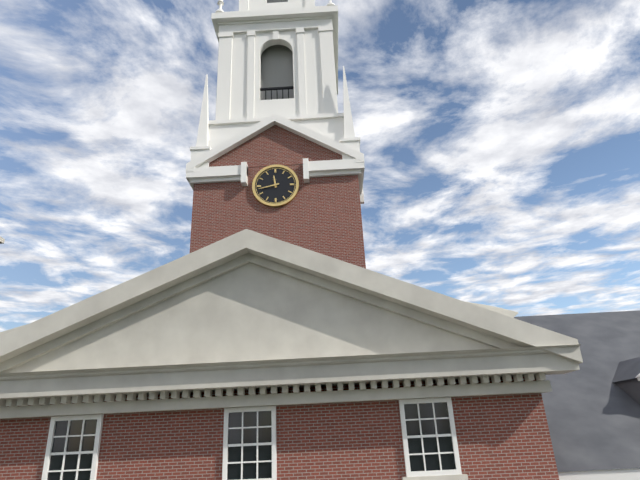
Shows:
11h43
